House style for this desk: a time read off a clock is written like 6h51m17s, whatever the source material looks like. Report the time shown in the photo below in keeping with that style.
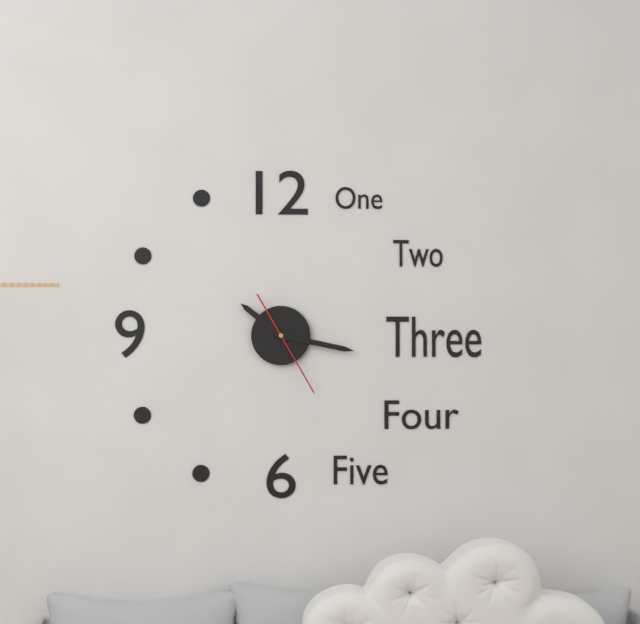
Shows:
10h17m25s
